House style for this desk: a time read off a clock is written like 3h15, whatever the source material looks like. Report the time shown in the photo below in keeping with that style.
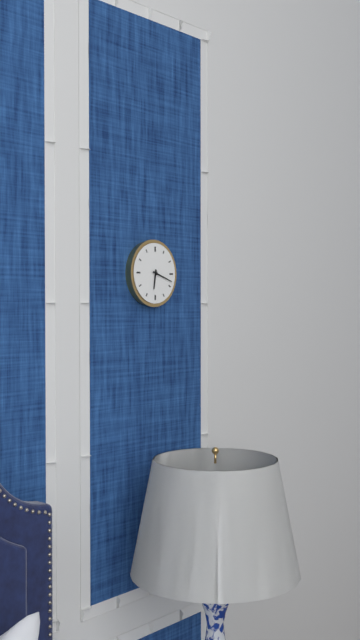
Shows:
6h18
